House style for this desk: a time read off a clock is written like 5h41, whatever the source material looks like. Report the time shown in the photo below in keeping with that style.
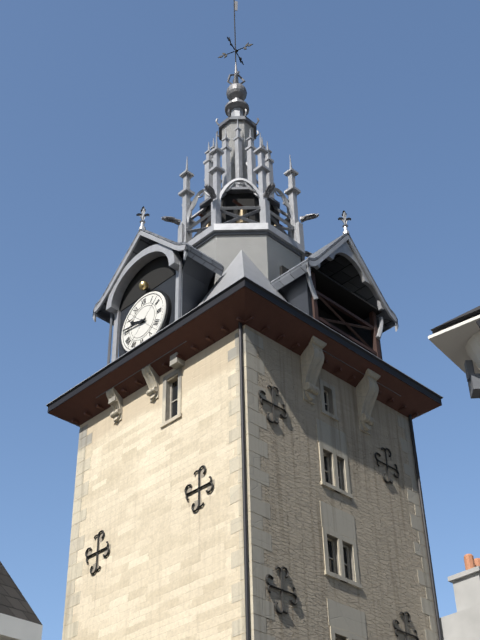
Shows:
9h46
